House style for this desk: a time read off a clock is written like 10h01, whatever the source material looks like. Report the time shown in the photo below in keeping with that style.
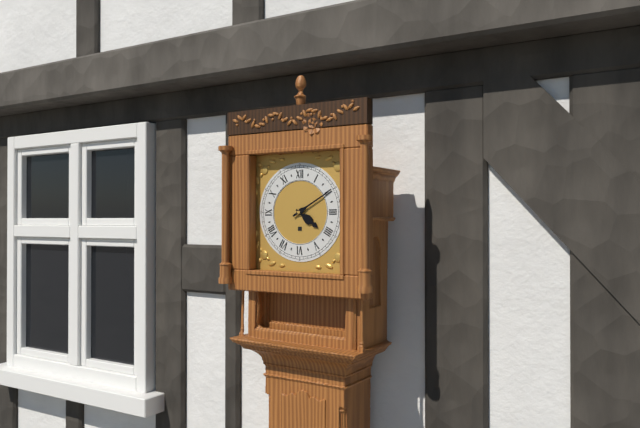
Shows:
4h10
